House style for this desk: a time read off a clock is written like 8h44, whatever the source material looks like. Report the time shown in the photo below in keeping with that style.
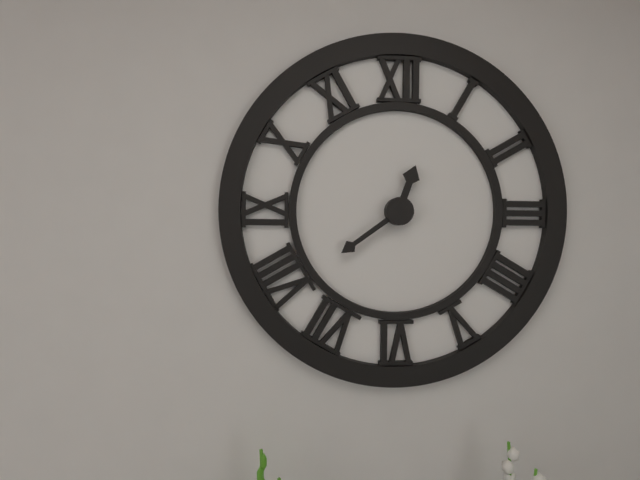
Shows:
12h39
